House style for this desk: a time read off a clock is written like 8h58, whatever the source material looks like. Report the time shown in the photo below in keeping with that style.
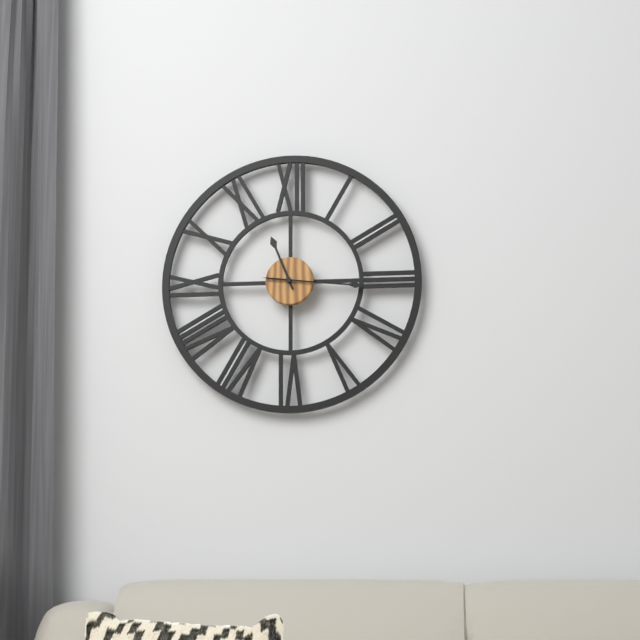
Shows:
11h16
